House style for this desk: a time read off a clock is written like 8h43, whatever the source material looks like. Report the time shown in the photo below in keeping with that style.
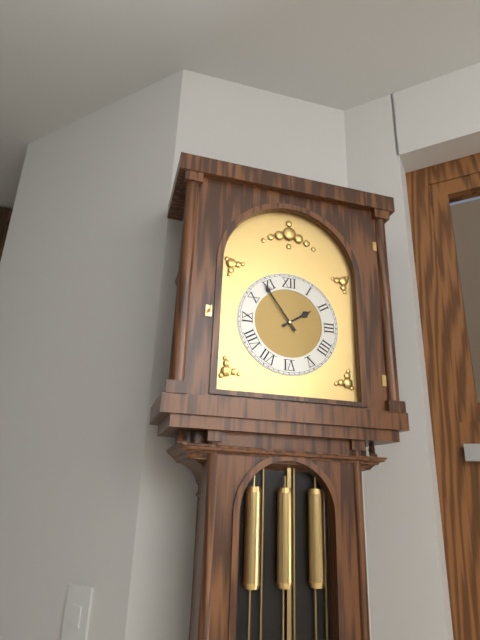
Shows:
1h54
